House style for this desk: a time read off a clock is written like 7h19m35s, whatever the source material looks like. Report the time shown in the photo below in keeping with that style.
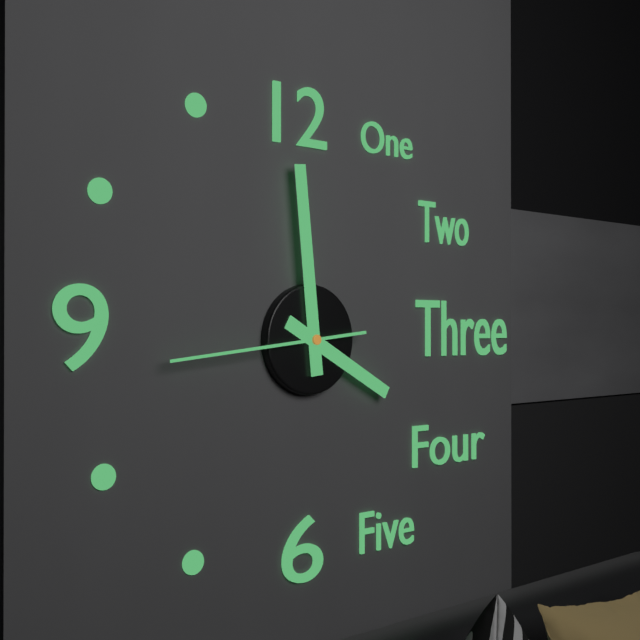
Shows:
3h59m44s
